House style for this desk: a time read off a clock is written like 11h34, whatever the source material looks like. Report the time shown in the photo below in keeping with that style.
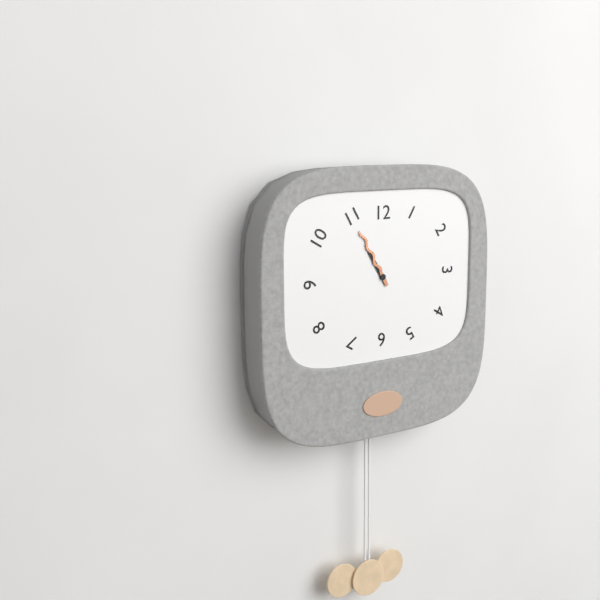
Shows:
10h55
